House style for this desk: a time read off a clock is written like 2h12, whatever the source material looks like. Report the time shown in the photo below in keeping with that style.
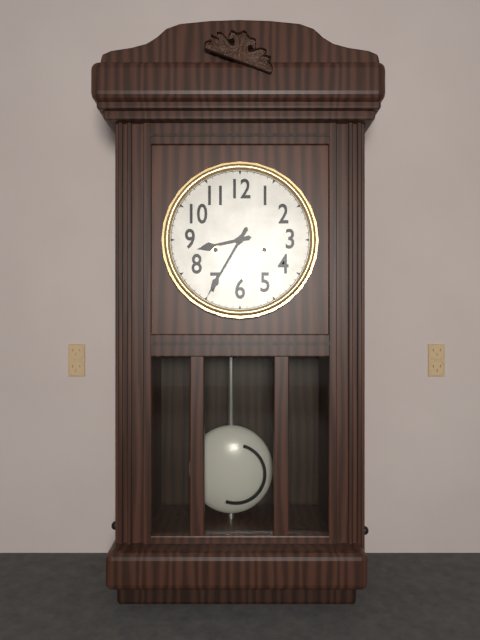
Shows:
8h35
